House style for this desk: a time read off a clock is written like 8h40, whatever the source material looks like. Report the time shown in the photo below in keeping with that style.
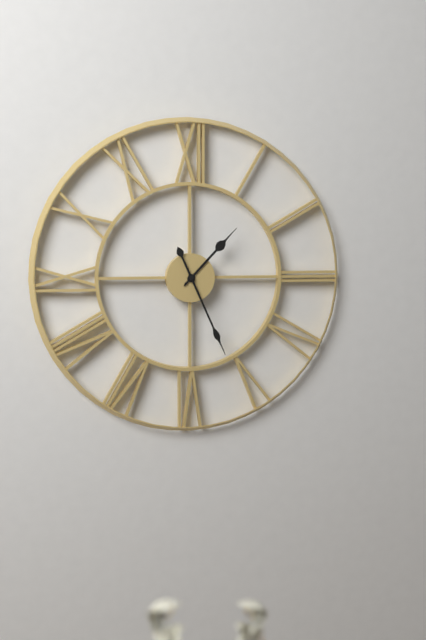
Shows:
1h26
